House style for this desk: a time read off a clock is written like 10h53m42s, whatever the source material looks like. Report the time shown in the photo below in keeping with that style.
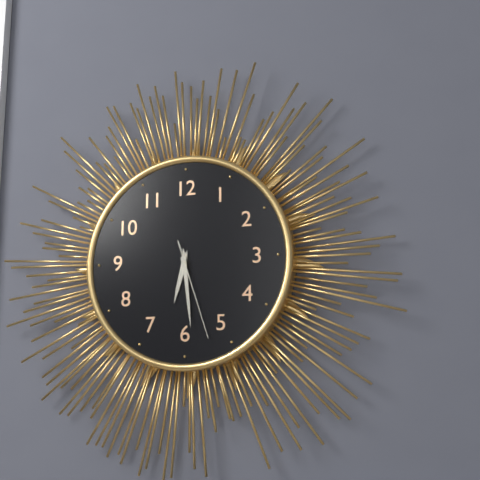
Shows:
6h29m27s
